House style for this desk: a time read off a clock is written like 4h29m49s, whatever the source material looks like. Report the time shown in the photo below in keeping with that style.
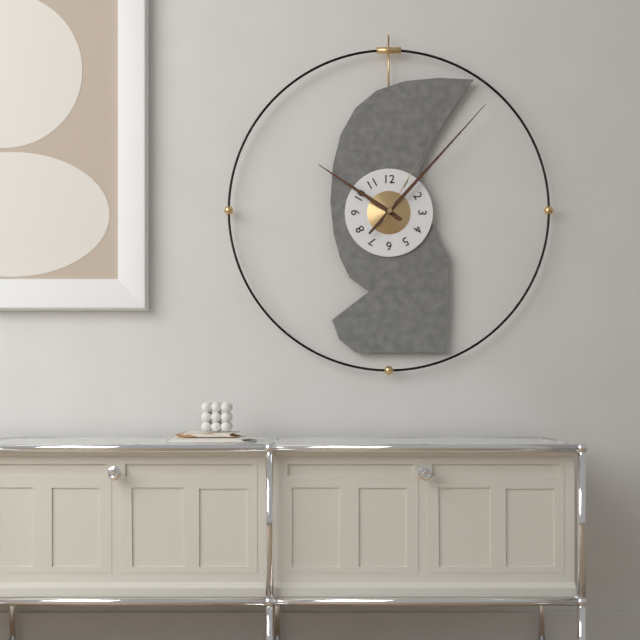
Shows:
10h07m05s
